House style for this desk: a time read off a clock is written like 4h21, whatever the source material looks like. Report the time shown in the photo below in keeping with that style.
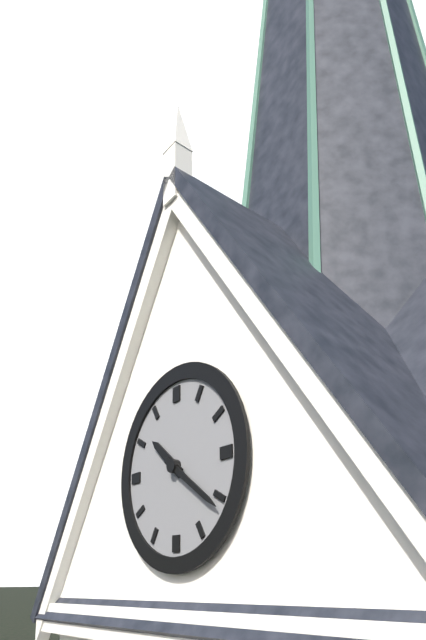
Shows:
10h21
